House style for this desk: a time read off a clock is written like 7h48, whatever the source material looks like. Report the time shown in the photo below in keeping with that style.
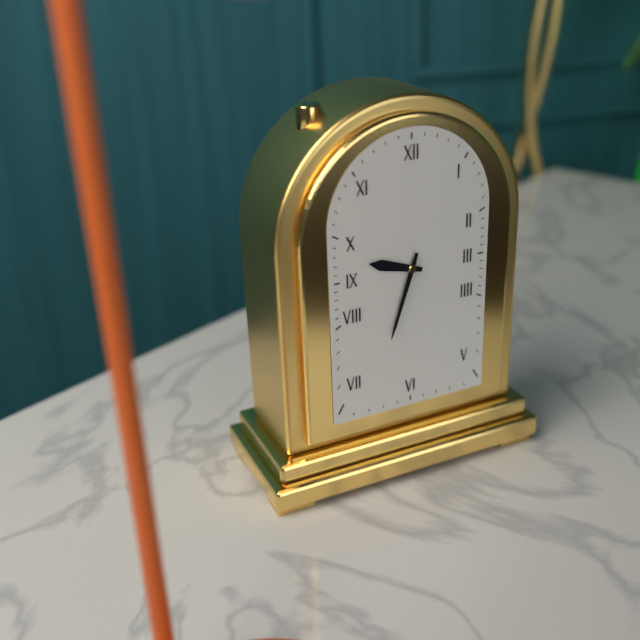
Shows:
9h33
